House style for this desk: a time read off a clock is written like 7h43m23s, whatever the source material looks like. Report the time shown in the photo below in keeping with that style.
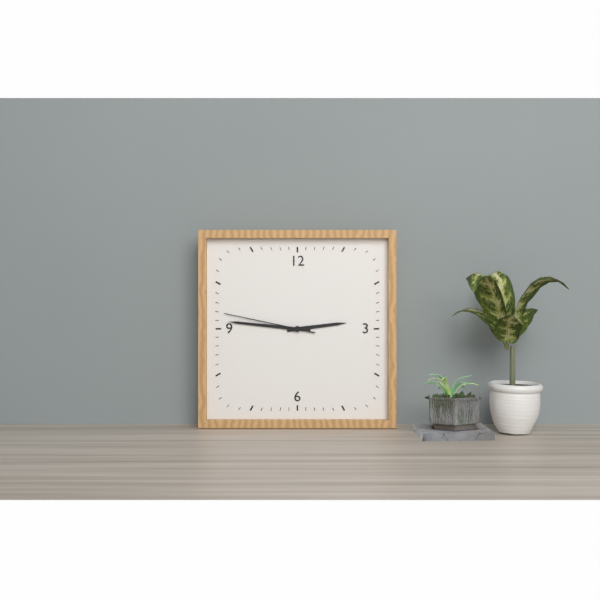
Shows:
2h46m47s
